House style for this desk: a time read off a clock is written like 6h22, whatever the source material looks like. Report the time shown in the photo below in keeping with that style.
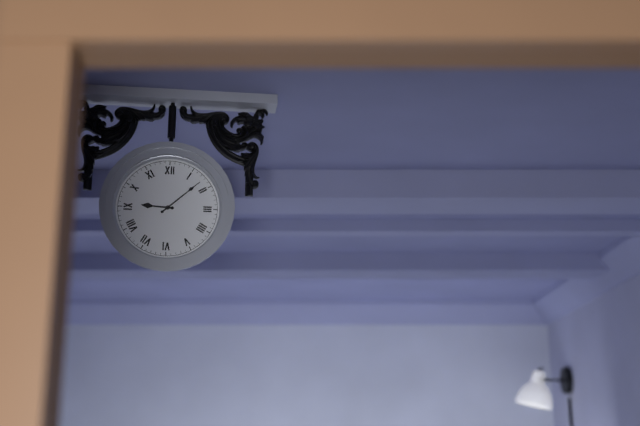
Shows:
9h08
